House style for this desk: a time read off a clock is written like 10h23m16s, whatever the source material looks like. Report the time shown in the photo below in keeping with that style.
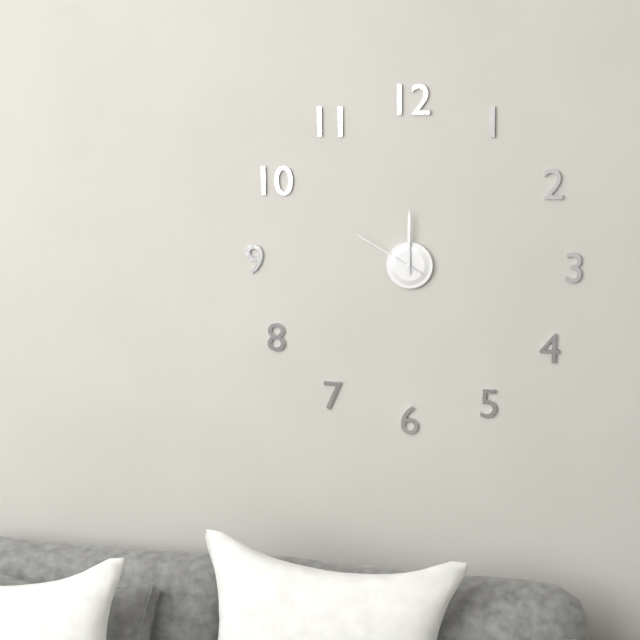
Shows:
12h00m50s
